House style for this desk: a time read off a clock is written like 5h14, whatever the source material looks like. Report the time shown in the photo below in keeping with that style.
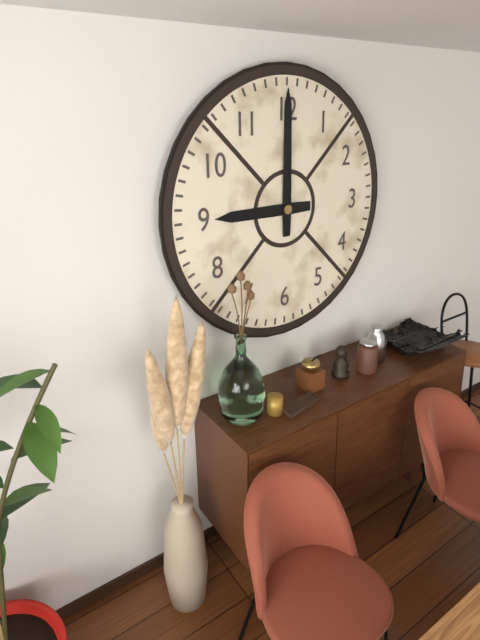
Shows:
9h00
